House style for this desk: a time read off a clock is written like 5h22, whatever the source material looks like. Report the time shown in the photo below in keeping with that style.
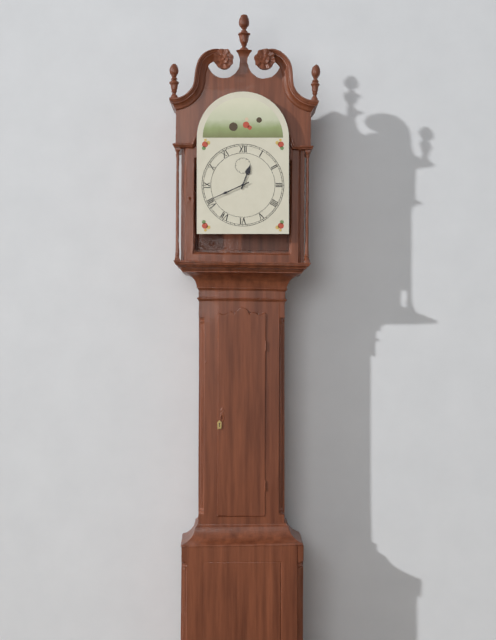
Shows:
12h41
